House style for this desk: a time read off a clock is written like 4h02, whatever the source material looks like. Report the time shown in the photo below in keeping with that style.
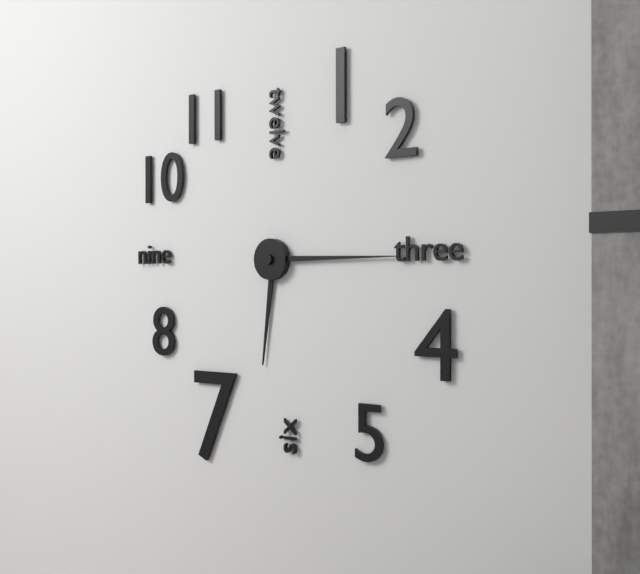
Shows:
6h15
